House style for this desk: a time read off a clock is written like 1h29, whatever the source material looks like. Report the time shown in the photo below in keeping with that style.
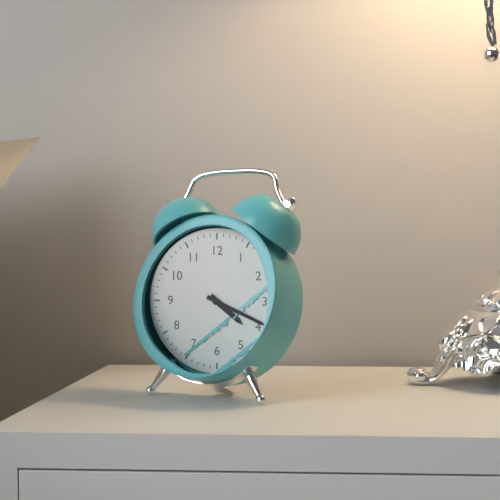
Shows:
4h19
